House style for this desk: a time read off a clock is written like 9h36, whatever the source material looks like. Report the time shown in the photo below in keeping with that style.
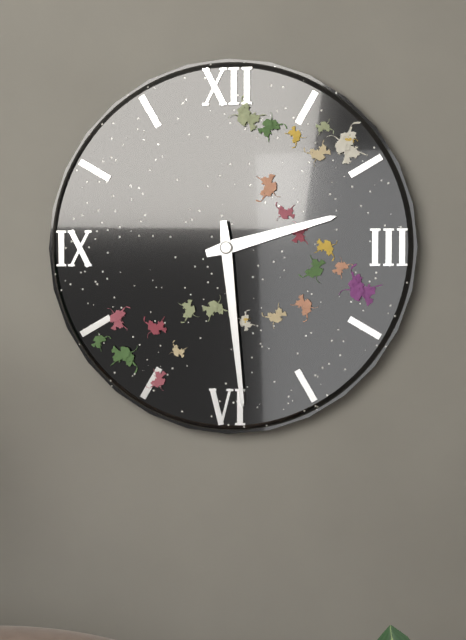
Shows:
2h29
